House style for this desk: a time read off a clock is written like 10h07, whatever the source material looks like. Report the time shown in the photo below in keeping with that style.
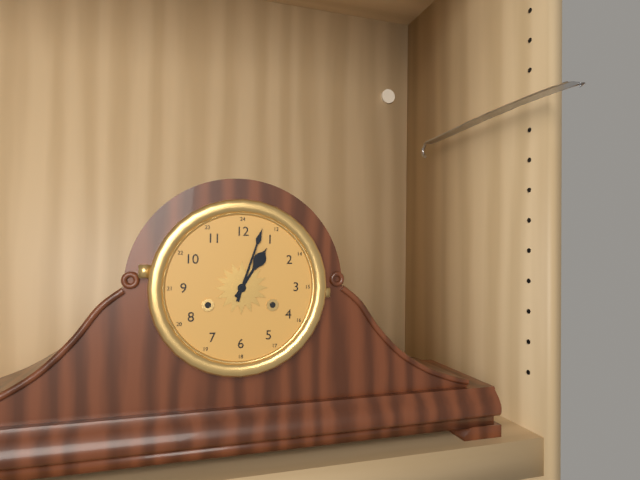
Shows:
1h03
